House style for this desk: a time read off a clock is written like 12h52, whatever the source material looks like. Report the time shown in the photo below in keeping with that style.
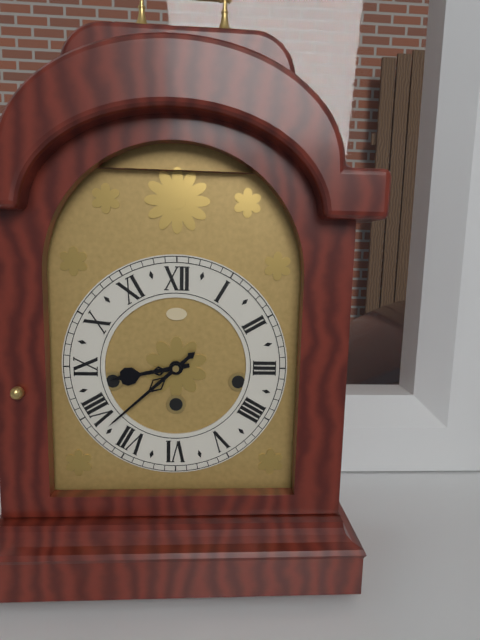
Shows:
8h38
